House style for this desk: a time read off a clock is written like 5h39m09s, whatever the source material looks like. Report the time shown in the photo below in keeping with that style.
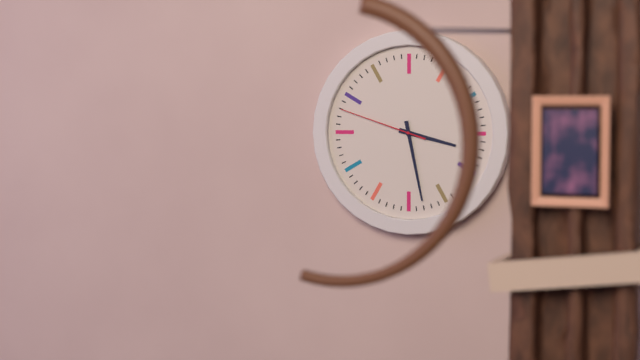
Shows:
3h28m48s
